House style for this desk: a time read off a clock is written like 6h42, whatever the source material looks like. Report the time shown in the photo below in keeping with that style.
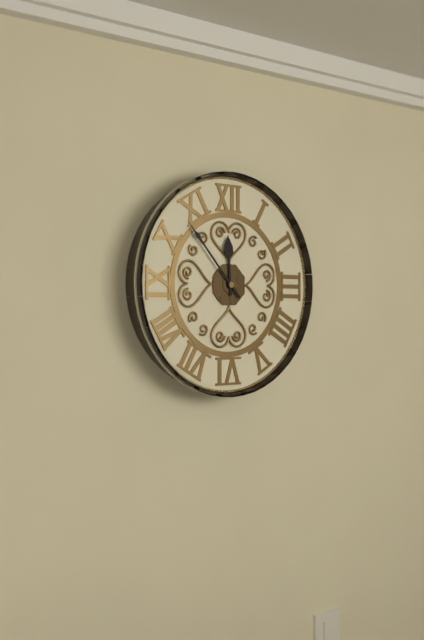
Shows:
11h53
